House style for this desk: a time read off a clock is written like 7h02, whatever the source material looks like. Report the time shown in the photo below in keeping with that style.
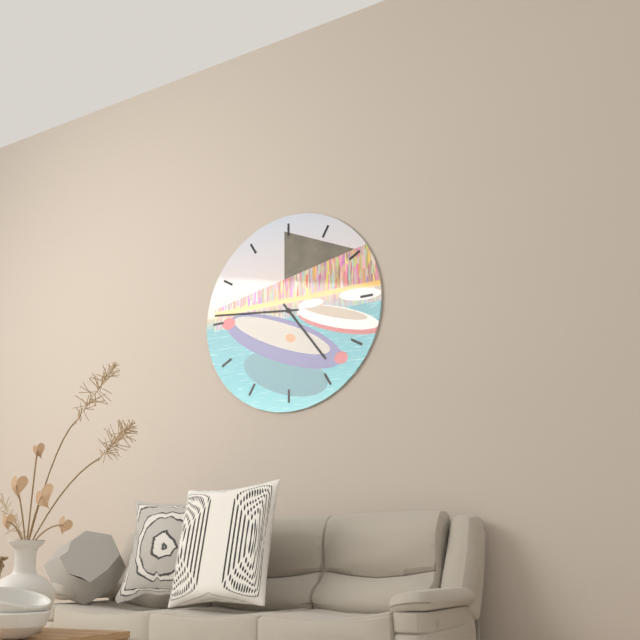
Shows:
4h46
